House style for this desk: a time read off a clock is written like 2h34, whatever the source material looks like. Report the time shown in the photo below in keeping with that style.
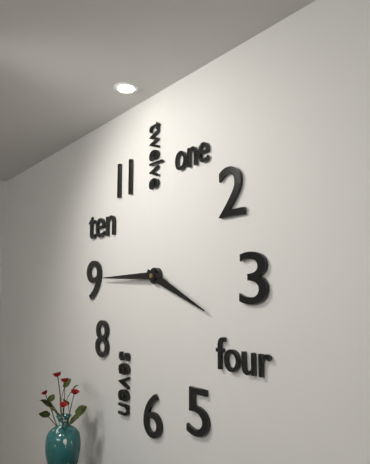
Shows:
3h45
